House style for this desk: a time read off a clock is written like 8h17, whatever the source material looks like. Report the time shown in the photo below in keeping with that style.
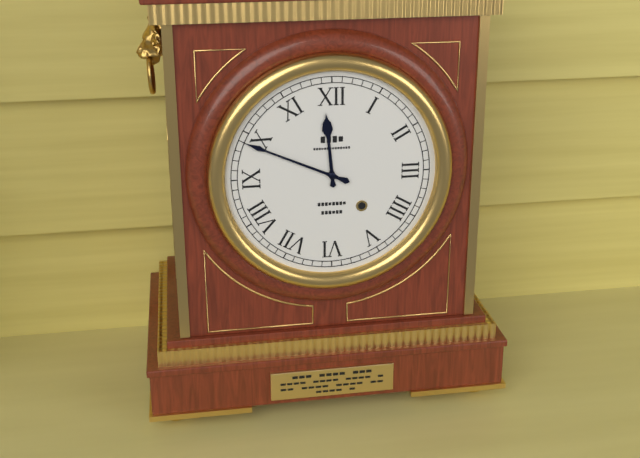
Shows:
11h49
